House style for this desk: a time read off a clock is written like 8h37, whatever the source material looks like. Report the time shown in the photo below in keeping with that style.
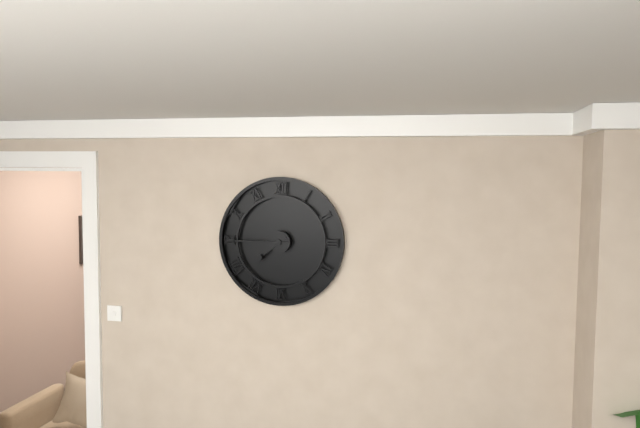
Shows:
7h45
